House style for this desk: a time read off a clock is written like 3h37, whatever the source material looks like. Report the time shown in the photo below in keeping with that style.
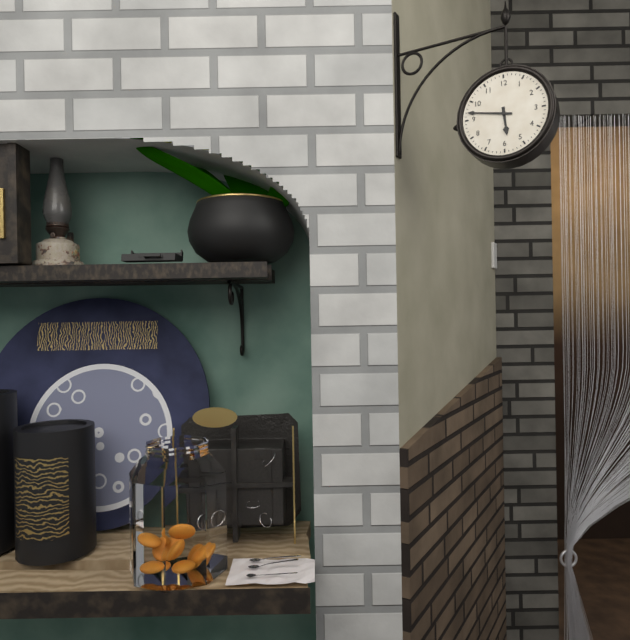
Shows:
5h47
